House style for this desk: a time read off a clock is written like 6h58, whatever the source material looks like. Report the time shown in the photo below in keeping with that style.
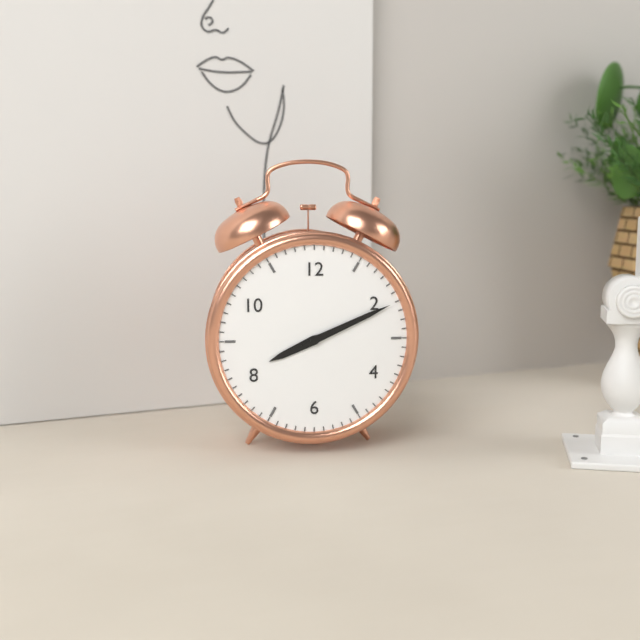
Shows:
8h11
